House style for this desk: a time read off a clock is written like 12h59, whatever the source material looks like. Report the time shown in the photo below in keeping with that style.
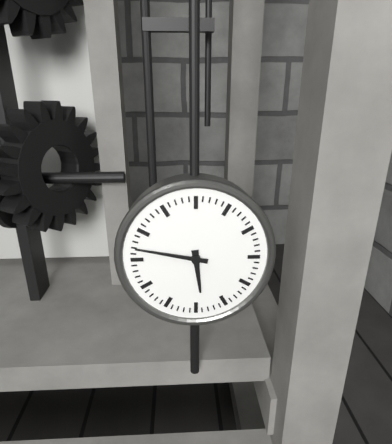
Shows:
5h47
